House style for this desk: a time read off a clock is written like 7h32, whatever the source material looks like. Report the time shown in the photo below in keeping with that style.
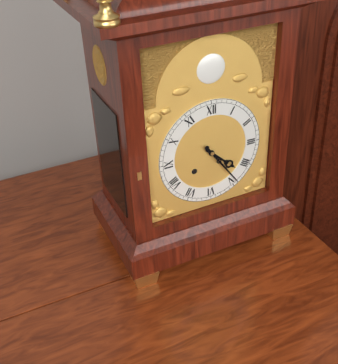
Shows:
4h24
